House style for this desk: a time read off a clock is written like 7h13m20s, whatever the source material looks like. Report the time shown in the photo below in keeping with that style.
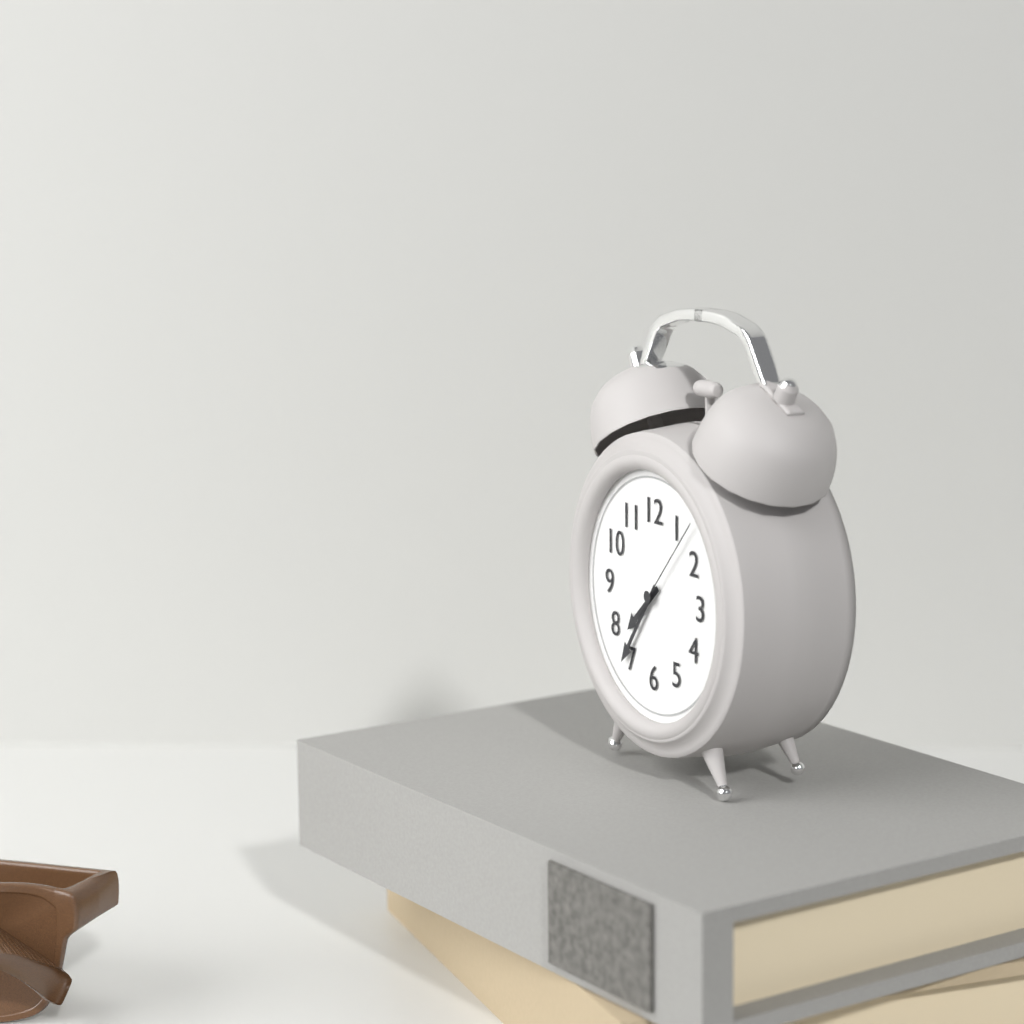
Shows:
7h36m07s
